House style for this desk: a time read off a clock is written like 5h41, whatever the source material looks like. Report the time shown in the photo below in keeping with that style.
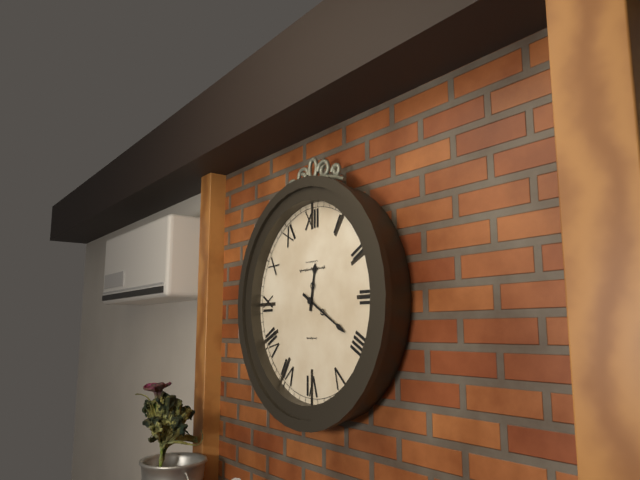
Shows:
12h20
